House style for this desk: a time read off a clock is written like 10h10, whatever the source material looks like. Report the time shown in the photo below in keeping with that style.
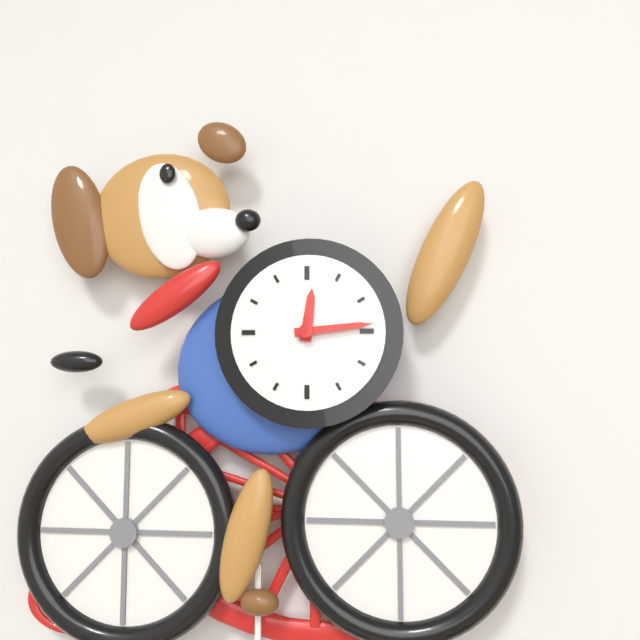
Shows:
12h14
